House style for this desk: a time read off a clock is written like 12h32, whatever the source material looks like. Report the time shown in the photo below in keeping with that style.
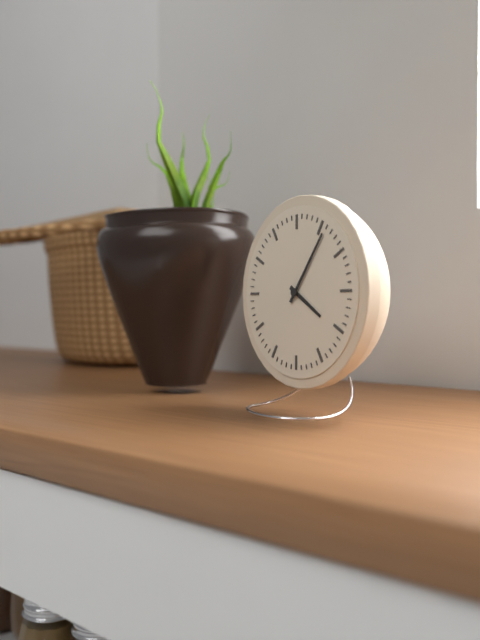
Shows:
4h06
